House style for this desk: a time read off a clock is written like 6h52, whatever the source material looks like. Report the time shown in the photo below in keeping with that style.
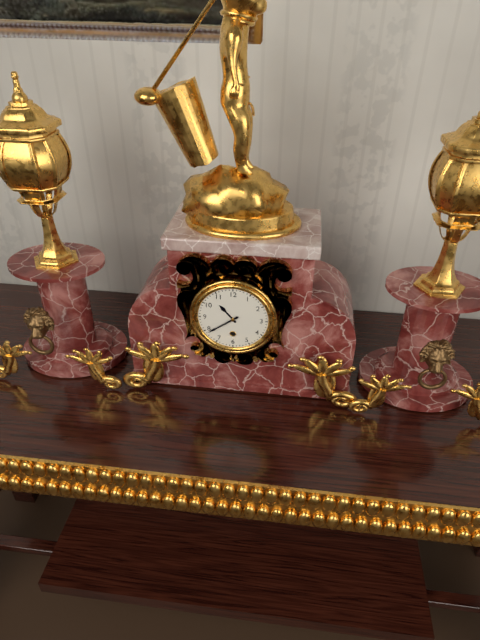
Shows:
10h39
